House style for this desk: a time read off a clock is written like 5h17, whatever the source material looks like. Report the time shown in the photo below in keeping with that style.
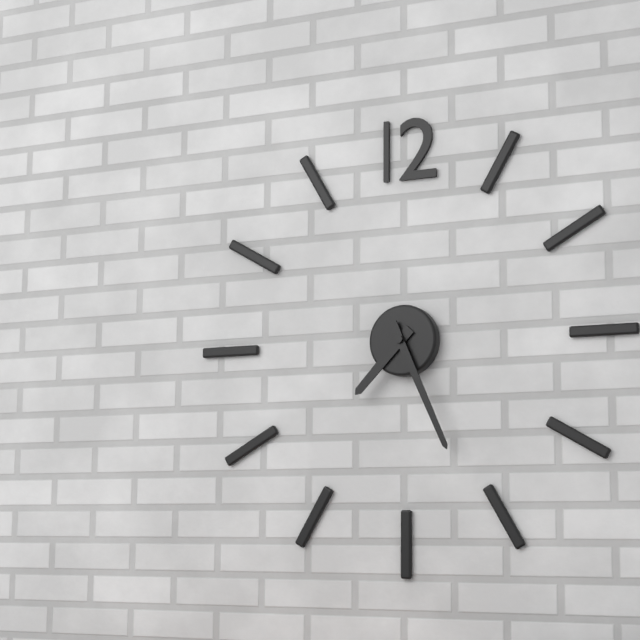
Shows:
7h26
